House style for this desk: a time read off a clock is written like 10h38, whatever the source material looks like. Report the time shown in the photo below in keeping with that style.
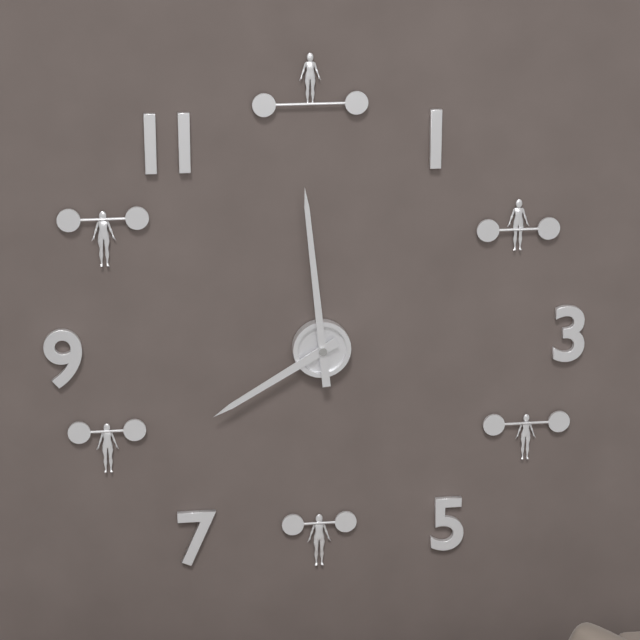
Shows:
7h59
